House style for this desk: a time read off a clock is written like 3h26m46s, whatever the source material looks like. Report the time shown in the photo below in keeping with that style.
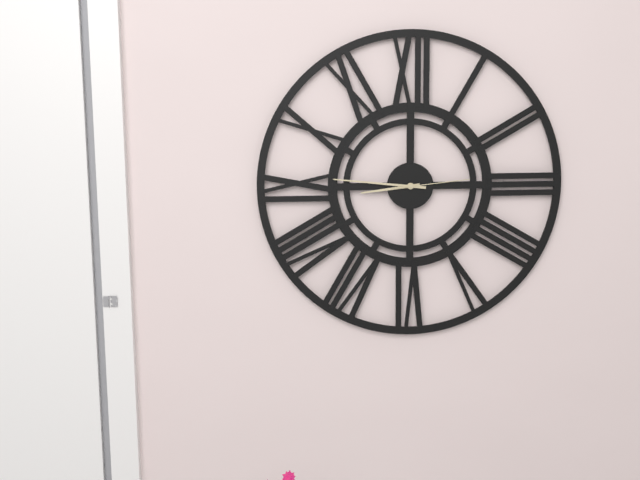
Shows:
8h46m14s
